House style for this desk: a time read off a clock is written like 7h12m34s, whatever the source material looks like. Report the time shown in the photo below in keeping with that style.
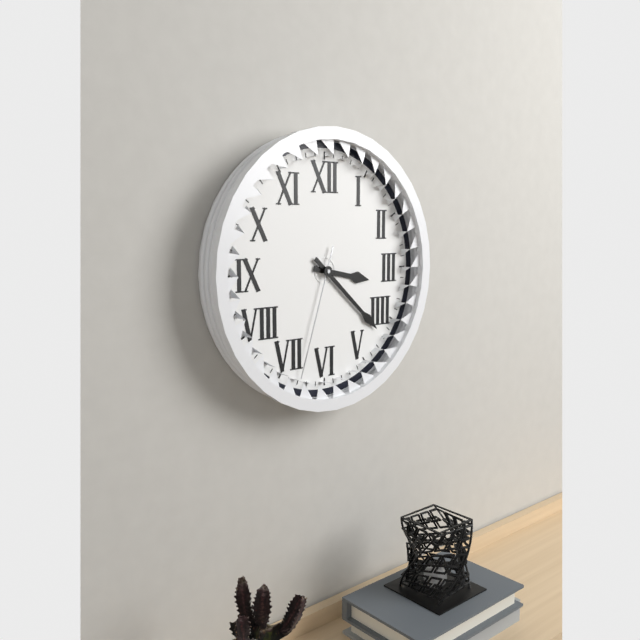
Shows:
3h22m33s
